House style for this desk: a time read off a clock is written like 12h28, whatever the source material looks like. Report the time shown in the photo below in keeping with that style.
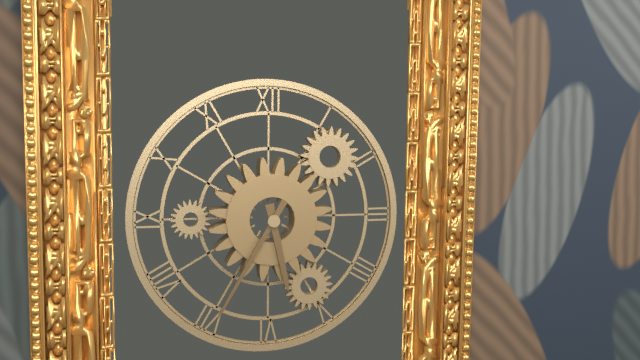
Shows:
5h35
